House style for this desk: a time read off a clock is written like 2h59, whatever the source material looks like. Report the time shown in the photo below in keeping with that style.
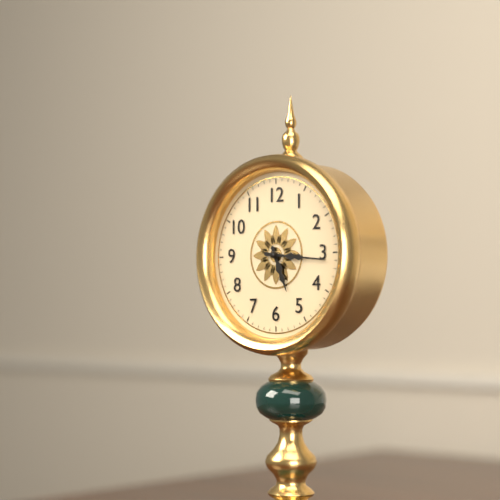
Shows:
5h16
